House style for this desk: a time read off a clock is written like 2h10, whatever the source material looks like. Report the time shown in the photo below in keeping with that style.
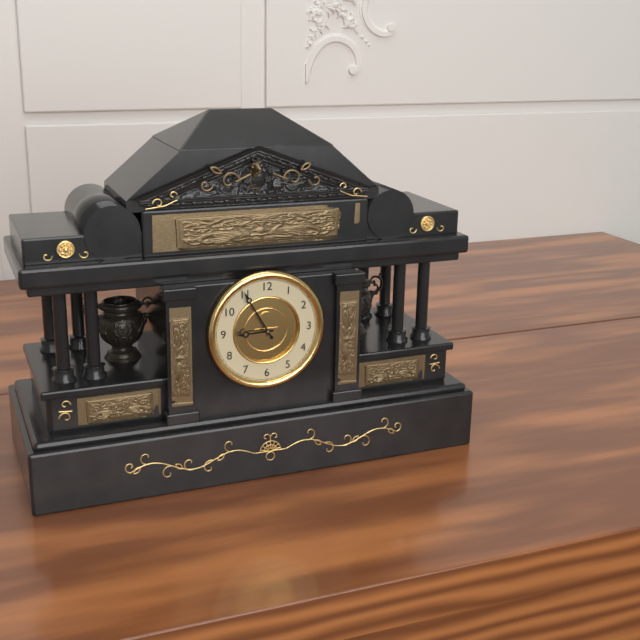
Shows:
8h55
